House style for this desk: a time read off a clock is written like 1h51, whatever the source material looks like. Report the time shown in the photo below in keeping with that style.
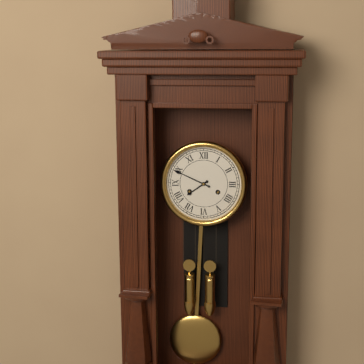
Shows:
7h49
